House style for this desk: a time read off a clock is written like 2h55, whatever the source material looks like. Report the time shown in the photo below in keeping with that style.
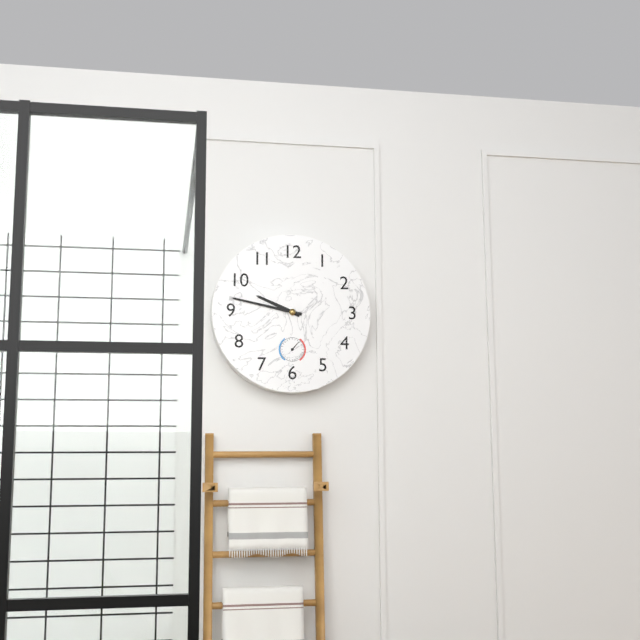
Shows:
9h47
